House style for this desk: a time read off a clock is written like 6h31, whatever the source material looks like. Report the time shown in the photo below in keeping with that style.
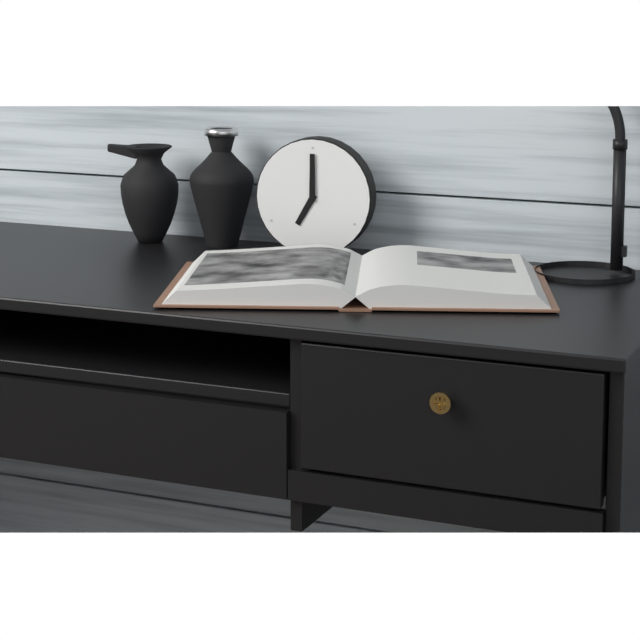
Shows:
7h00
